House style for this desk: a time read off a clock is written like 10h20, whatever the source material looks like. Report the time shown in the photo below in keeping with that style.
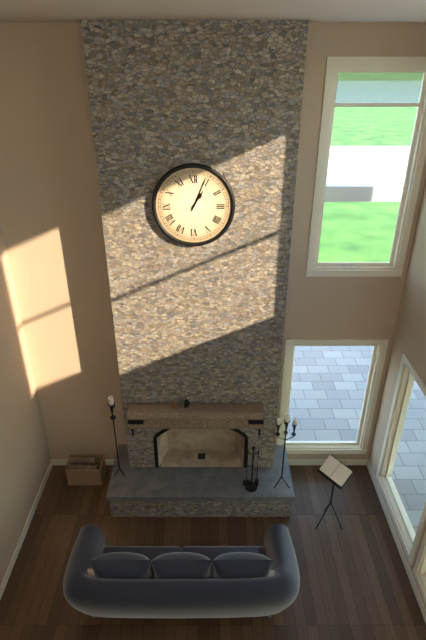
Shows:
1h04
